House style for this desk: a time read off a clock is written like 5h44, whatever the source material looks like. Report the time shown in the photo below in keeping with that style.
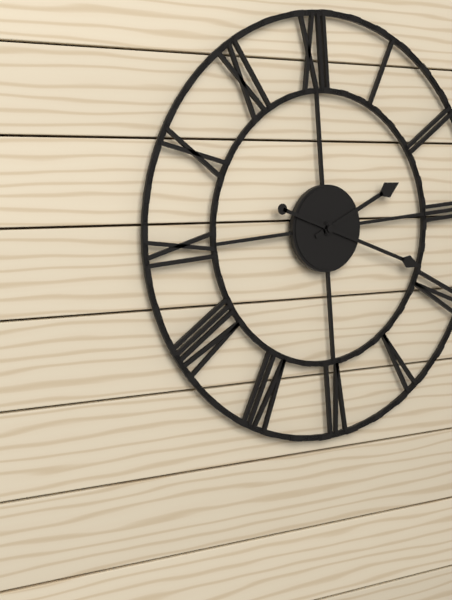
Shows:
2h19
